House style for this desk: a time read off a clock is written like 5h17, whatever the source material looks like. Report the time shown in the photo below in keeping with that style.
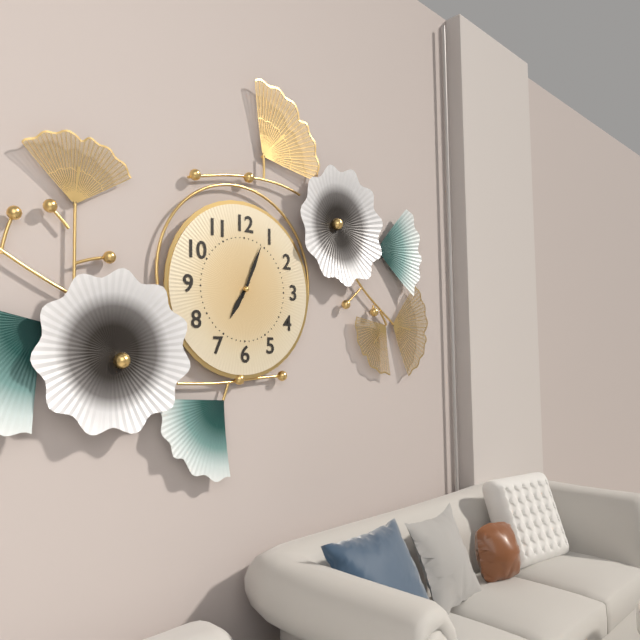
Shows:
7h04
